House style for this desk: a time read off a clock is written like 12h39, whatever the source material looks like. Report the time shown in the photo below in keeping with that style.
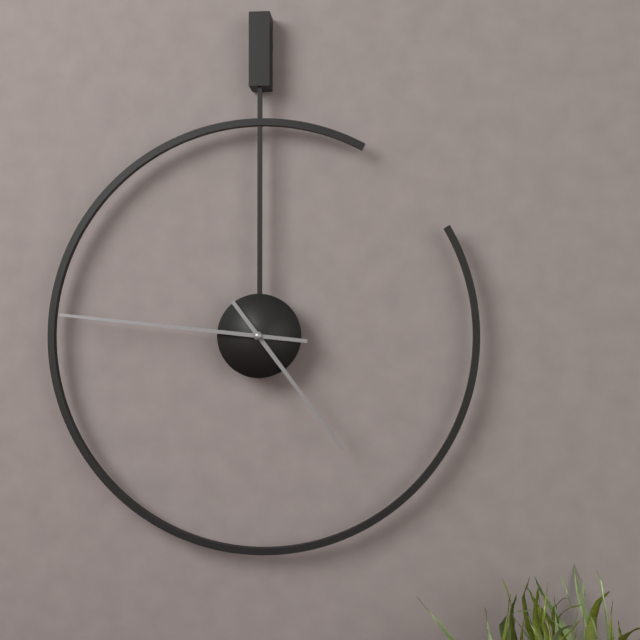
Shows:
4h46
